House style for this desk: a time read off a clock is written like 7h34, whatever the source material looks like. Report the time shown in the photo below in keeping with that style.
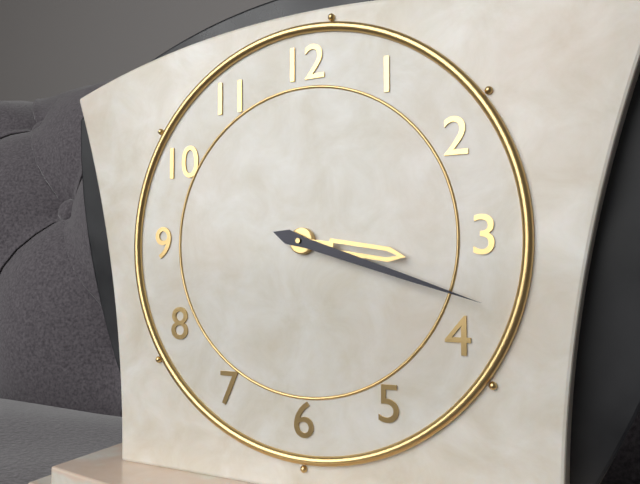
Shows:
3h18
